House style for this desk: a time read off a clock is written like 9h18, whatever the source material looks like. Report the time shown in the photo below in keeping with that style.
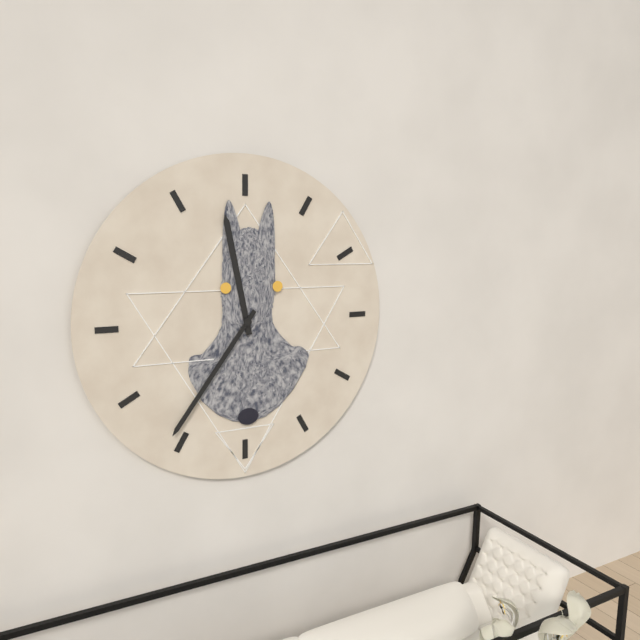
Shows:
11h36
